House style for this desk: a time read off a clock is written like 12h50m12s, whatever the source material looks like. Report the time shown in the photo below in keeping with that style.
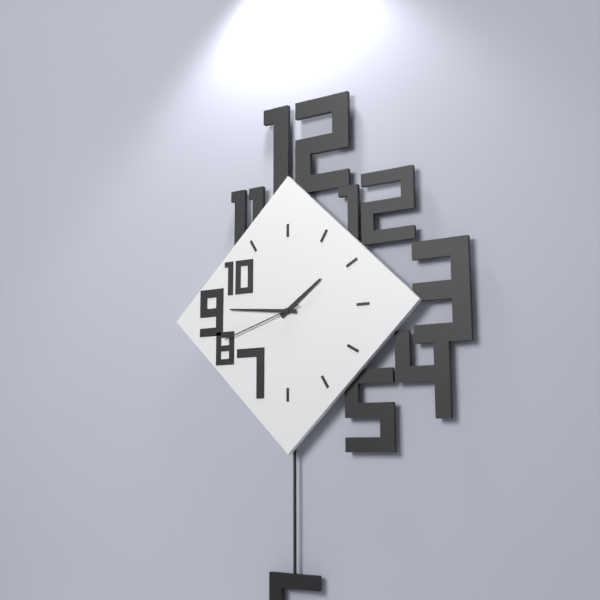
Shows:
1h46m42s
